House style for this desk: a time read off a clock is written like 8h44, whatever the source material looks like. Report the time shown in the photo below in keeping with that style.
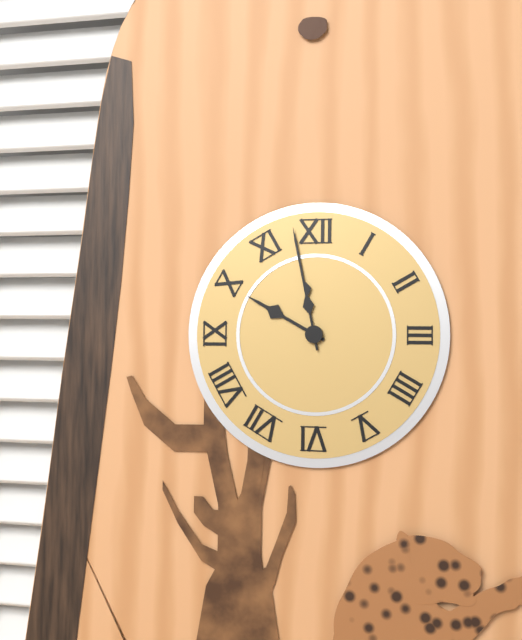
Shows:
9h58
